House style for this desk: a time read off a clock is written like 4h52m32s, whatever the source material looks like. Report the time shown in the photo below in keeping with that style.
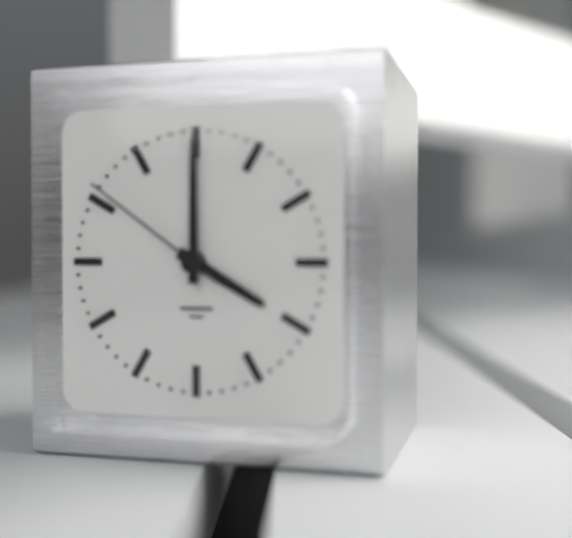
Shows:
4h00m51s
